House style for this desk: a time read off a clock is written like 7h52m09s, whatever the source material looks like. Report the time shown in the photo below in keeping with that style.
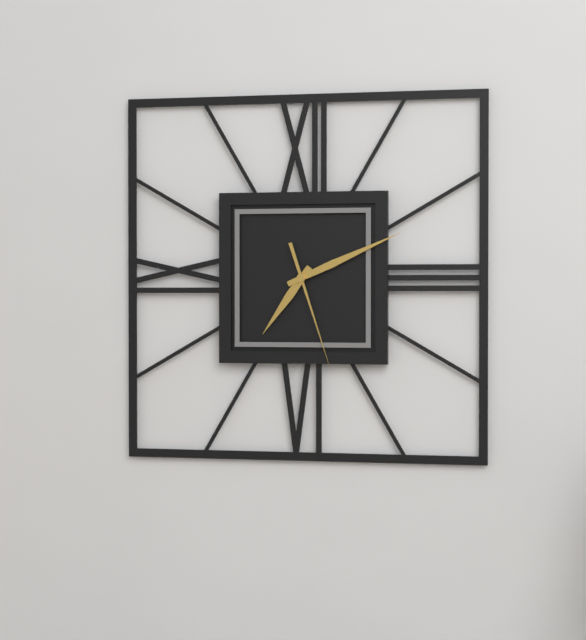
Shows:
7h11m27s
